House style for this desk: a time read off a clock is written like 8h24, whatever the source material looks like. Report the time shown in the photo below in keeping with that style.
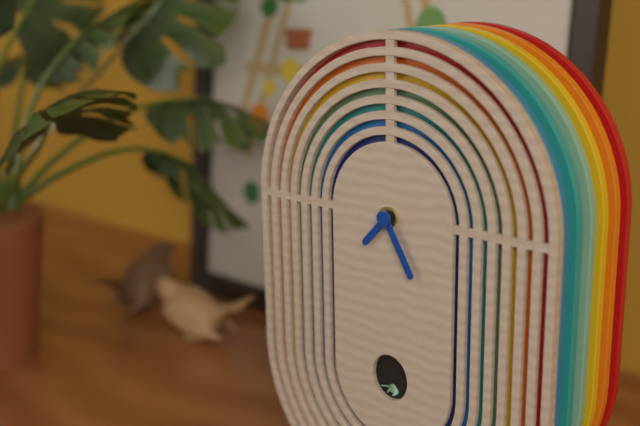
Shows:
7h25
